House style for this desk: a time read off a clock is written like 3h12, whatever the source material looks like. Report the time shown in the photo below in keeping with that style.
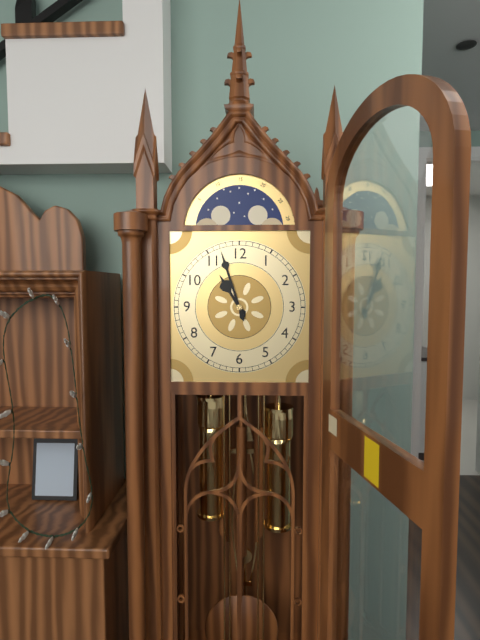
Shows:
10h57
